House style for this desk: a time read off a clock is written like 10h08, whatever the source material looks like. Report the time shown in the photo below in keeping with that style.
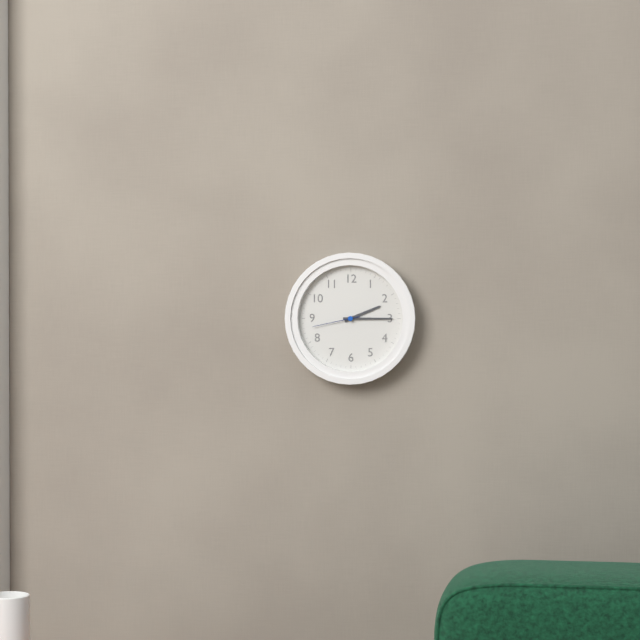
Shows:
2h15
